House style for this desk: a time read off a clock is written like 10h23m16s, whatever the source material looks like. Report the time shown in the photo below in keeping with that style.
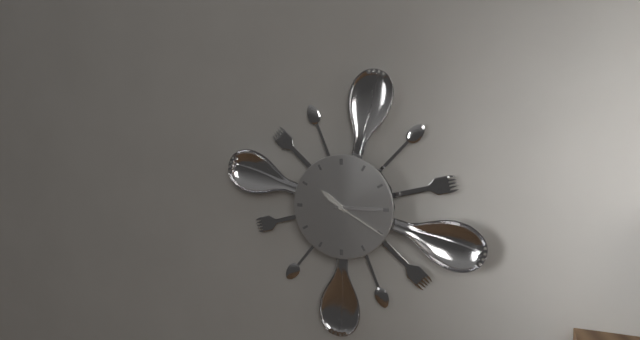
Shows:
10h15m20s
